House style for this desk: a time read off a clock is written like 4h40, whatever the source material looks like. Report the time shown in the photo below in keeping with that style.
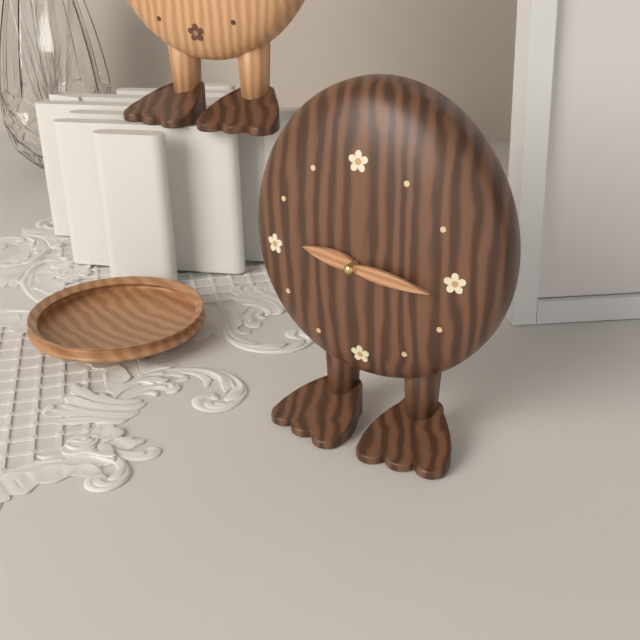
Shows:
9h16
